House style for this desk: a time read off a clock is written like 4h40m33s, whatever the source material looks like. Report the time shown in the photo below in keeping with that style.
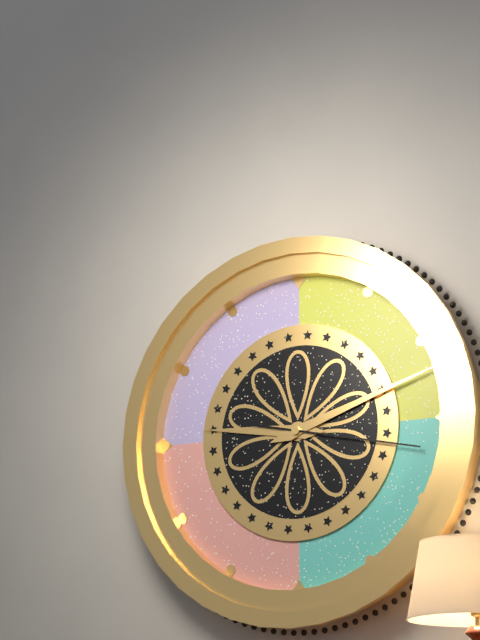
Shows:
9h12m17s
